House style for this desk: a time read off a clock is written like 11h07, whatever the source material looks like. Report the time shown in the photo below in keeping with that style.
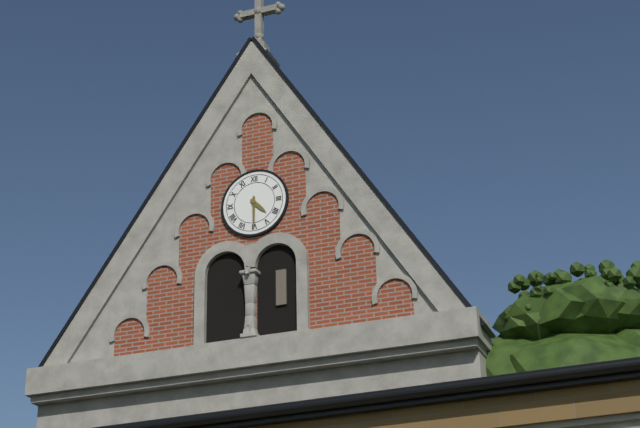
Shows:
4h30
